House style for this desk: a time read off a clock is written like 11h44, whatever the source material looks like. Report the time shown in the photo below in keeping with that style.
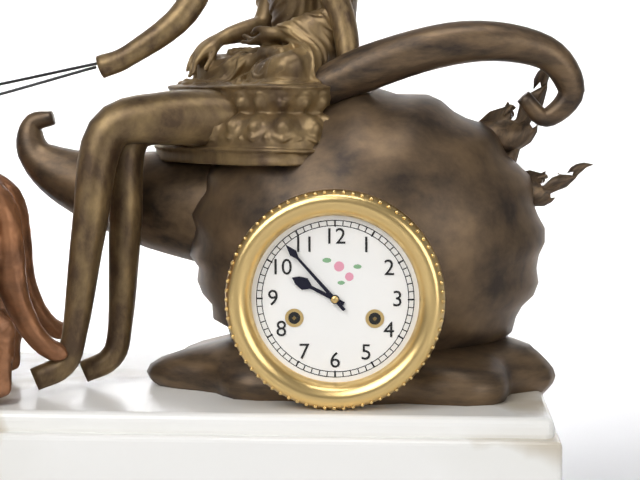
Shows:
9h53
